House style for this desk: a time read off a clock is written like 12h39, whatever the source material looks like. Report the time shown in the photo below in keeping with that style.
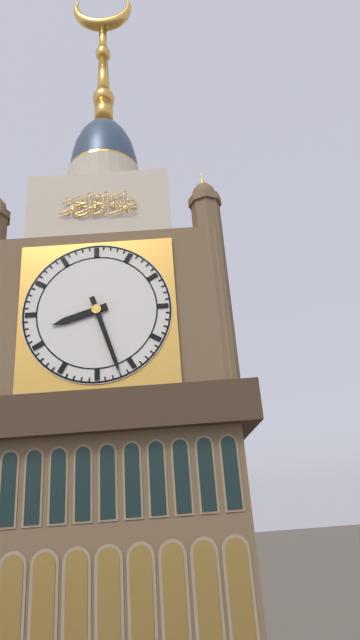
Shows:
8h27
